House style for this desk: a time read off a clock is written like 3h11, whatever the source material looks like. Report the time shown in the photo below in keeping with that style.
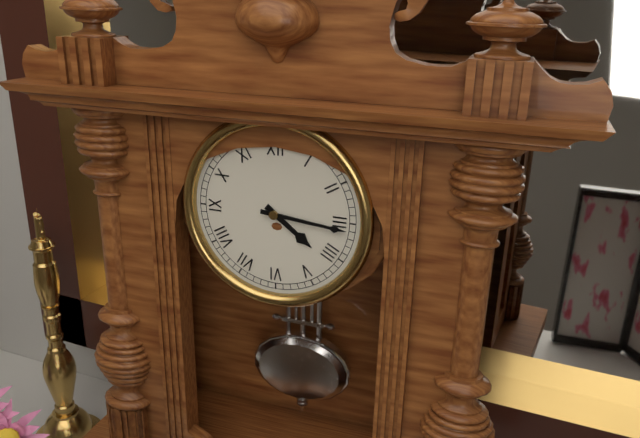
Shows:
4h16
